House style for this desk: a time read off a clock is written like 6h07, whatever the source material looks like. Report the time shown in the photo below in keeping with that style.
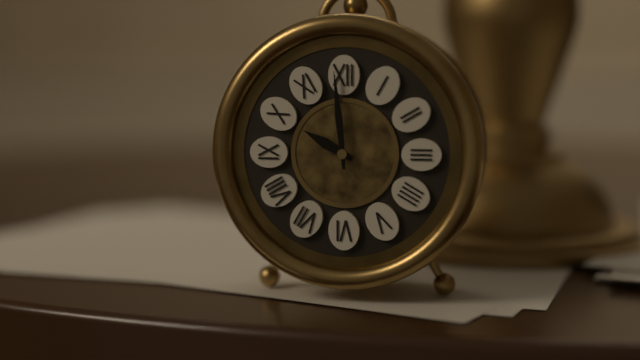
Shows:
9h59
